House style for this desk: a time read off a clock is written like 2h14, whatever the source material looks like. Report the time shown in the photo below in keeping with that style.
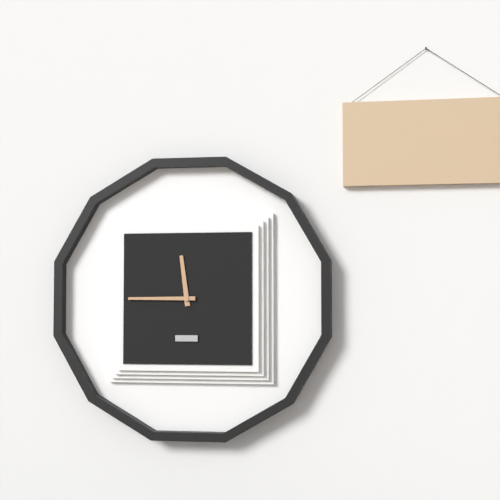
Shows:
11h45
